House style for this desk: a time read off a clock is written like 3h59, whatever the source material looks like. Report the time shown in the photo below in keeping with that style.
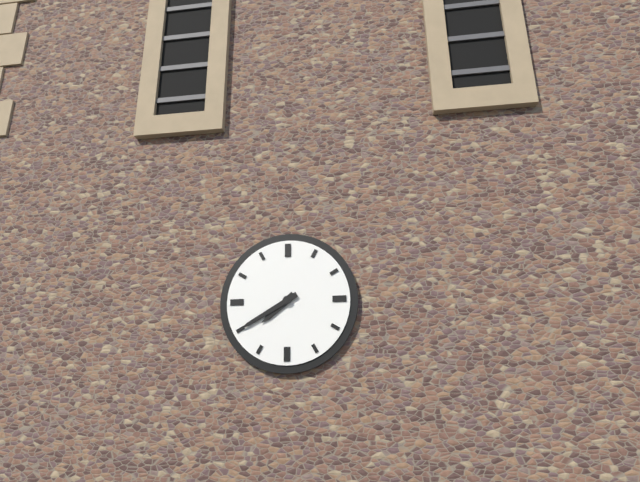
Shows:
7h40
